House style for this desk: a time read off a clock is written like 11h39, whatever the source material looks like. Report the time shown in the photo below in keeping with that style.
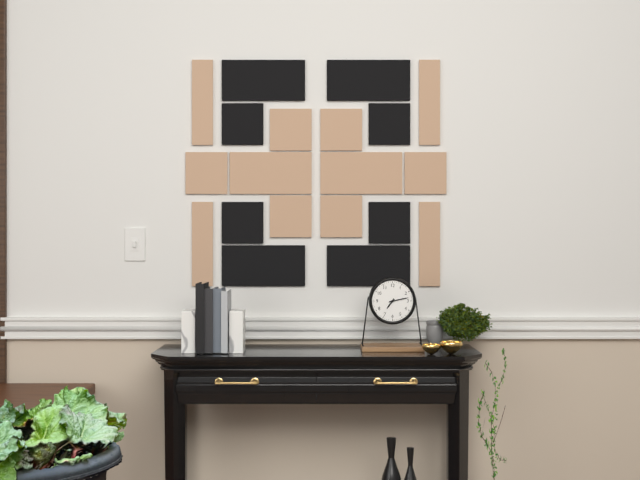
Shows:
7h13
